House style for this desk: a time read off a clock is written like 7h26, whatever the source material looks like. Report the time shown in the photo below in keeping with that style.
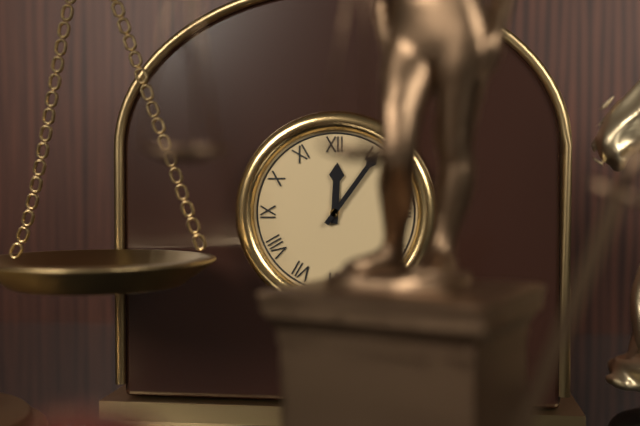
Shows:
12h06
